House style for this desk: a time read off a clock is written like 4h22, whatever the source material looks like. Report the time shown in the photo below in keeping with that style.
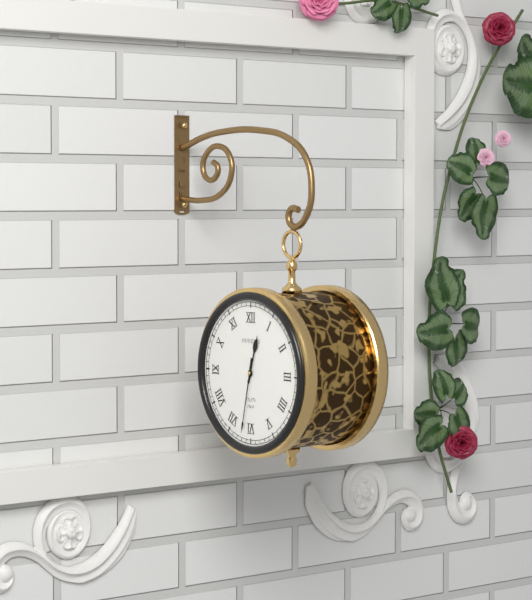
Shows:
12h32
